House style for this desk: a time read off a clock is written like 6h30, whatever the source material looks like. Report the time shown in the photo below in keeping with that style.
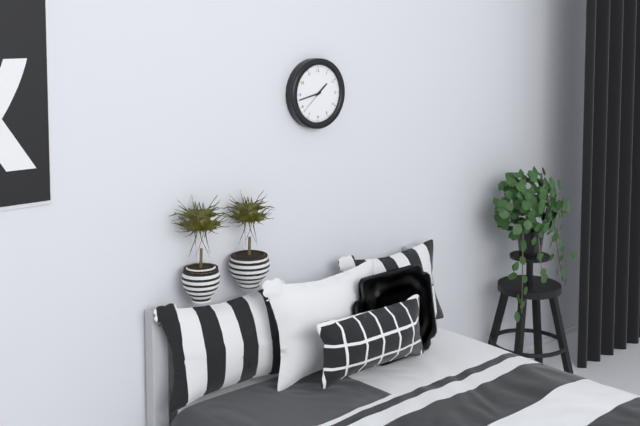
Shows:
1h43
